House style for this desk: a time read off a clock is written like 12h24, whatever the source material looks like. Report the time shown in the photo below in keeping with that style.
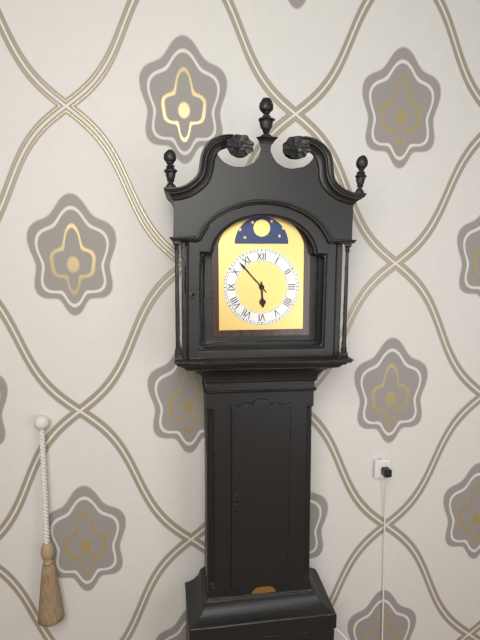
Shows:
5h53
